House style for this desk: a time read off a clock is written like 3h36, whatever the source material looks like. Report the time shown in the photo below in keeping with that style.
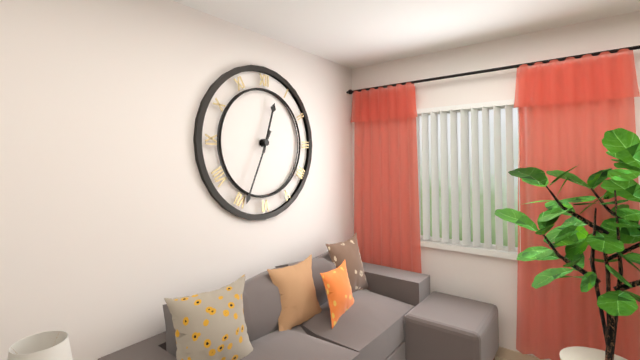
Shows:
12h34
